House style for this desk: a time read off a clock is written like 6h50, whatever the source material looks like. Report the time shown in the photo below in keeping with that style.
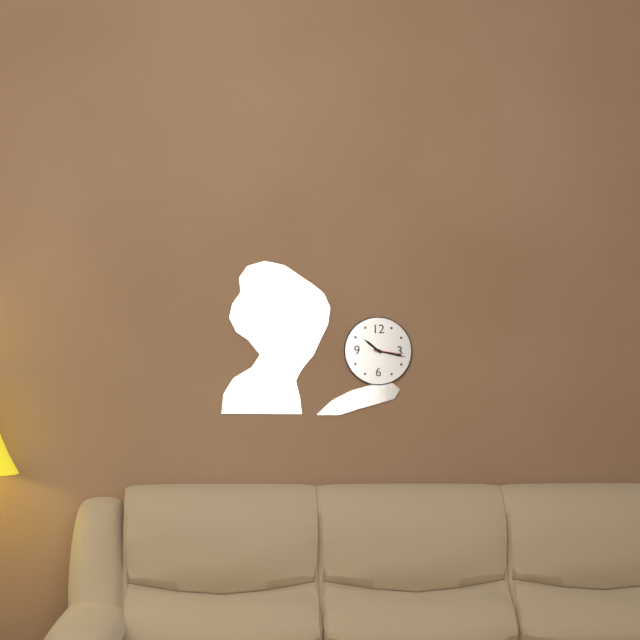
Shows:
10h17
